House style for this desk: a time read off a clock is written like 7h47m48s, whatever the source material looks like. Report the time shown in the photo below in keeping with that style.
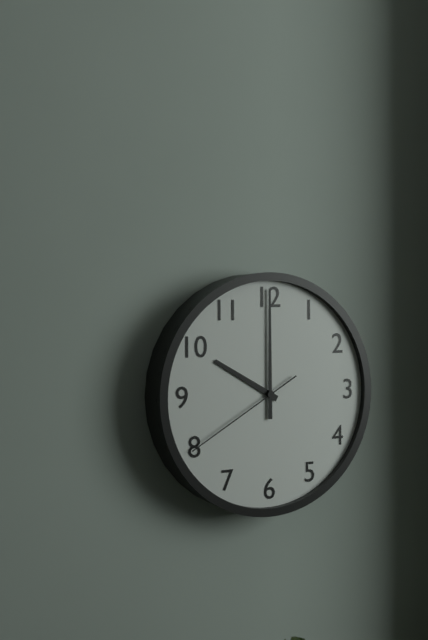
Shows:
10h00m40s
